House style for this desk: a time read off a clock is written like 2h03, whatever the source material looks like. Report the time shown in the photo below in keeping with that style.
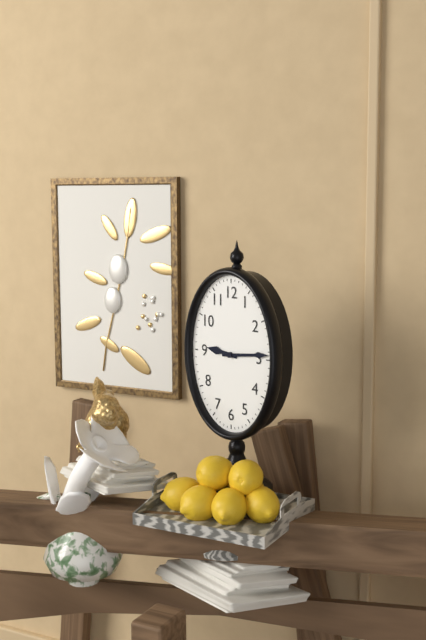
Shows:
9h14
